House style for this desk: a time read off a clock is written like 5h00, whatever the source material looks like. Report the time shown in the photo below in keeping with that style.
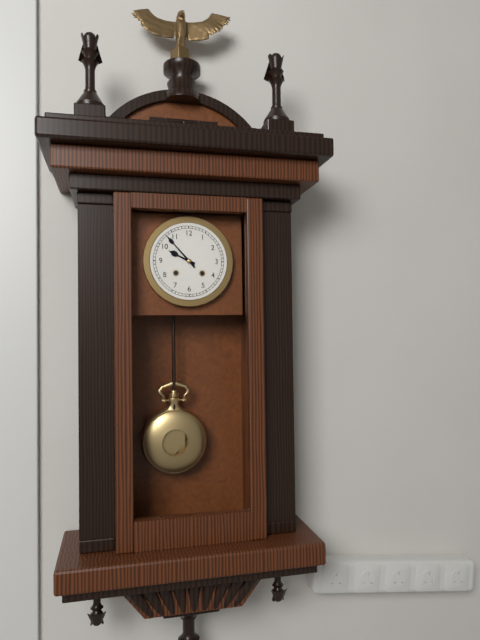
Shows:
9h53
